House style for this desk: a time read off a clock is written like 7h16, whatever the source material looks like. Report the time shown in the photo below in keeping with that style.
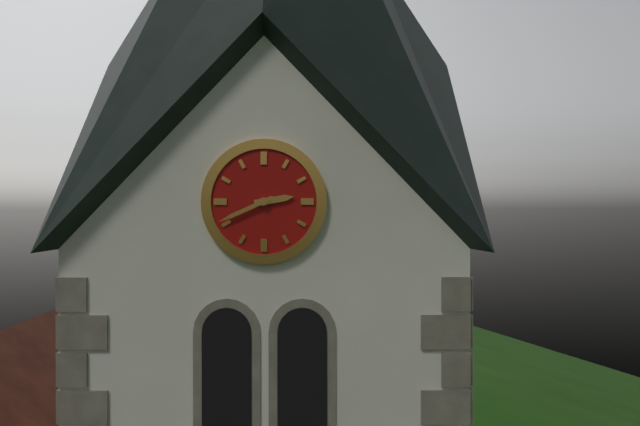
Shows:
2h41
